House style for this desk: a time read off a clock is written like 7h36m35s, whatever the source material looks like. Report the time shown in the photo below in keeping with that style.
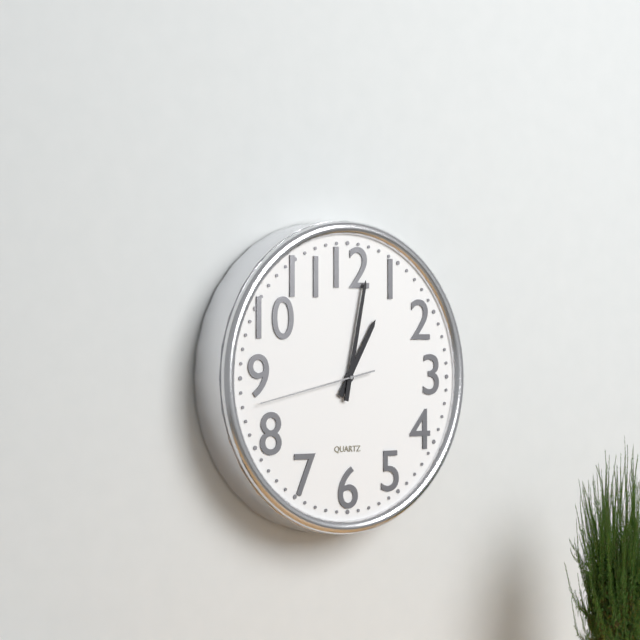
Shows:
1h02m43s
